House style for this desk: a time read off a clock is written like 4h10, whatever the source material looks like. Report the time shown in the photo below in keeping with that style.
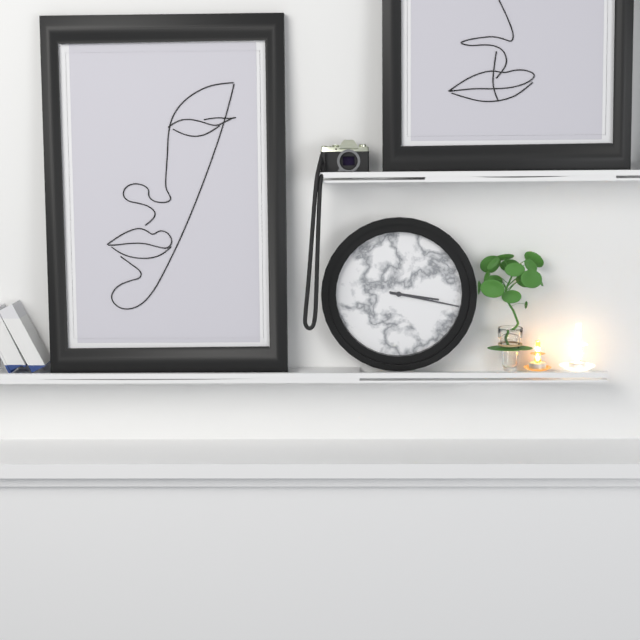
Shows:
3h17
